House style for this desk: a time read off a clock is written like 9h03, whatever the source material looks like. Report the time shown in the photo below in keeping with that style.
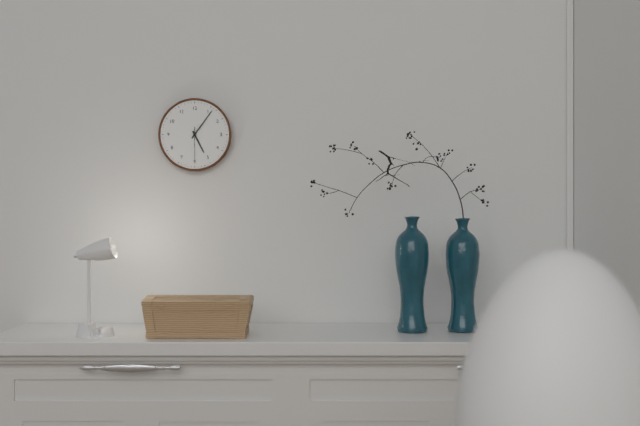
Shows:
5h06
